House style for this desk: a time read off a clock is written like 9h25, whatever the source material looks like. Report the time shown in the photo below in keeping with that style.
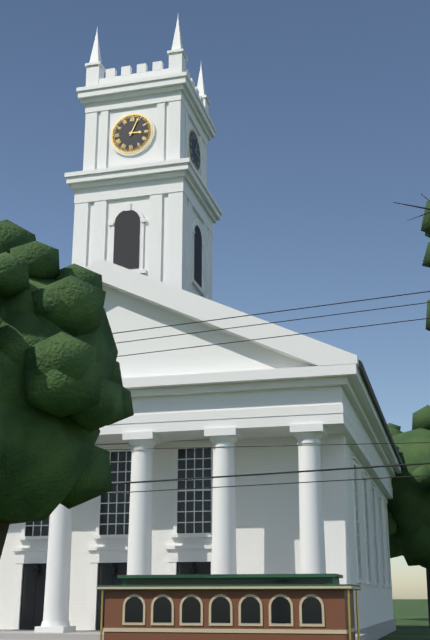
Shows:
3h04
